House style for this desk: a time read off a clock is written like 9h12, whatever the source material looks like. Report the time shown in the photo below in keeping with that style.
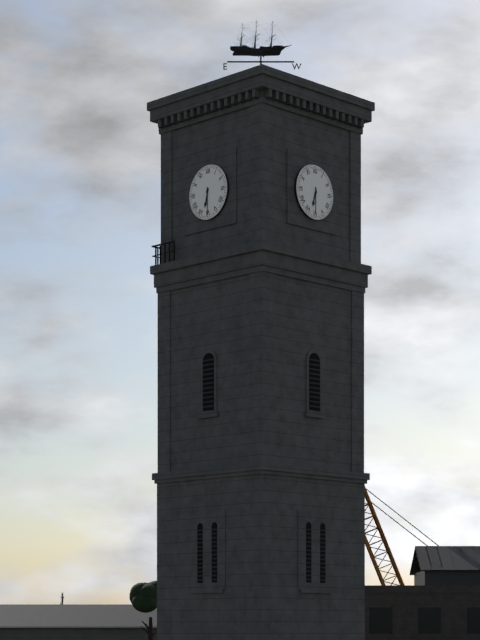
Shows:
6h30
